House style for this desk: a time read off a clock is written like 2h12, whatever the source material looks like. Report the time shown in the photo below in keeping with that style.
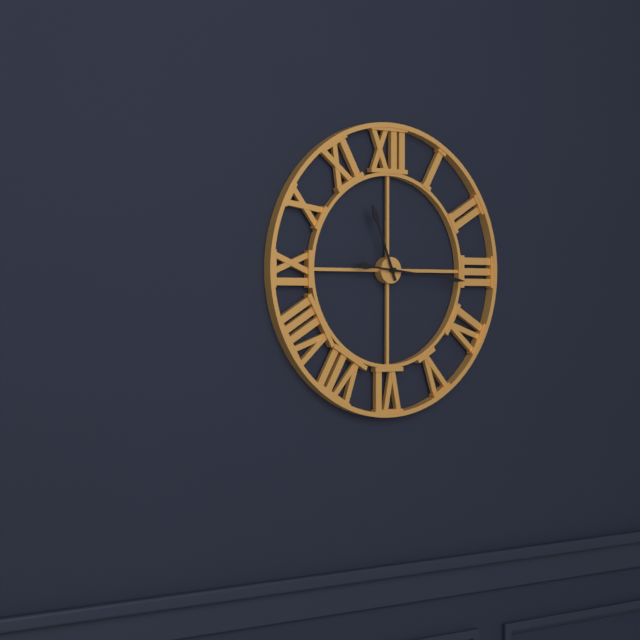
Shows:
11h16
